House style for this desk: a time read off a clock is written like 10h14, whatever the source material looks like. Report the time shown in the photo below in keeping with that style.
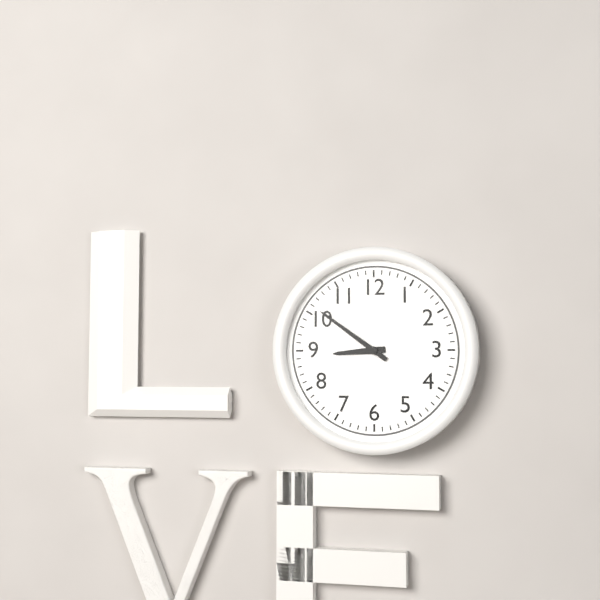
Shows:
8h51
